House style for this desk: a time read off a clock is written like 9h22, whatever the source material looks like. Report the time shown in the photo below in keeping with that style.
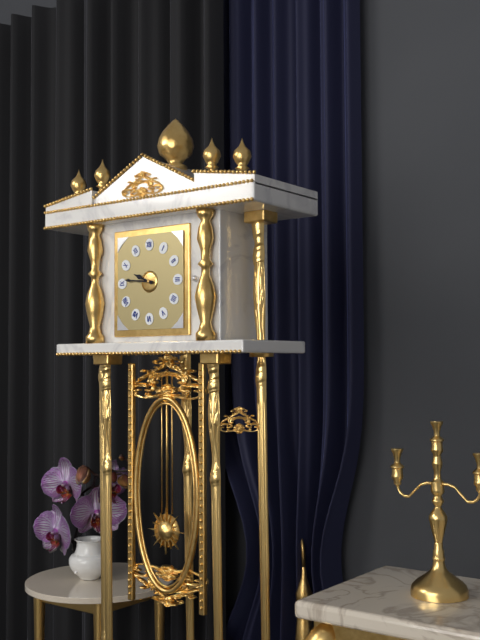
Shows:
9h46
